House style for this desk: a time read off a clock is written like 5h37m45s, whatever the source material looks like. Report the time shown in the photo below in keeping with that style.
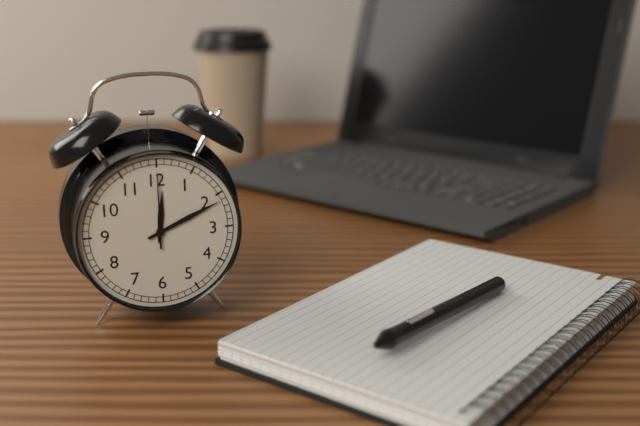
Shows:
12h11m00s
